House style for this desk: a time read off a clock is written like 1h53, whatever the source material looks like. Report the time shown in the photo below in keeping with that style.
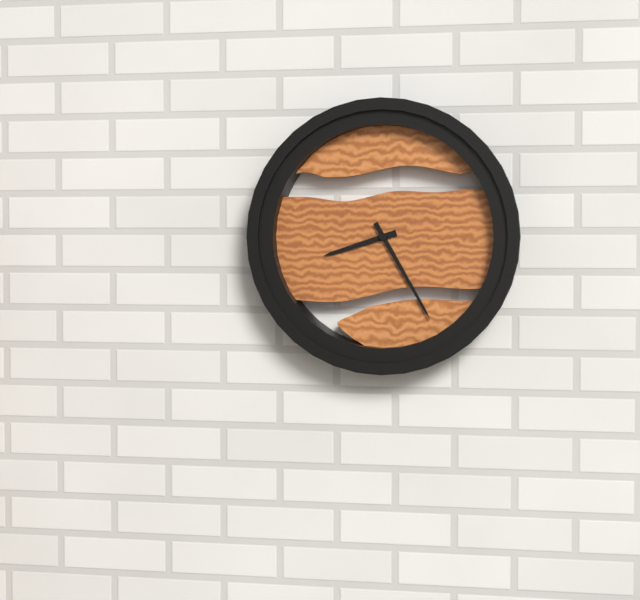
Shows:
8h25
